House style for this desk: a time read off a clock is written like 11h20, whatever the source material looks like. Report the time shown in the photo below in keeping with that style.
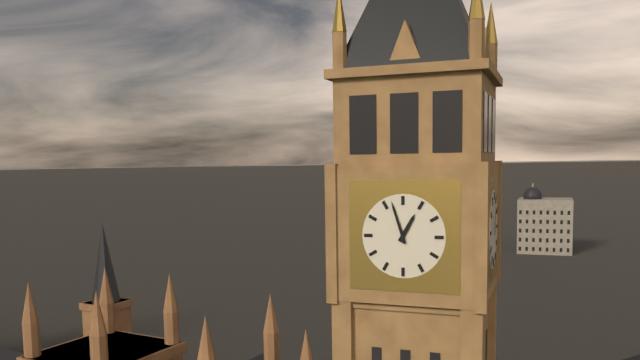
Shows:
12h57
